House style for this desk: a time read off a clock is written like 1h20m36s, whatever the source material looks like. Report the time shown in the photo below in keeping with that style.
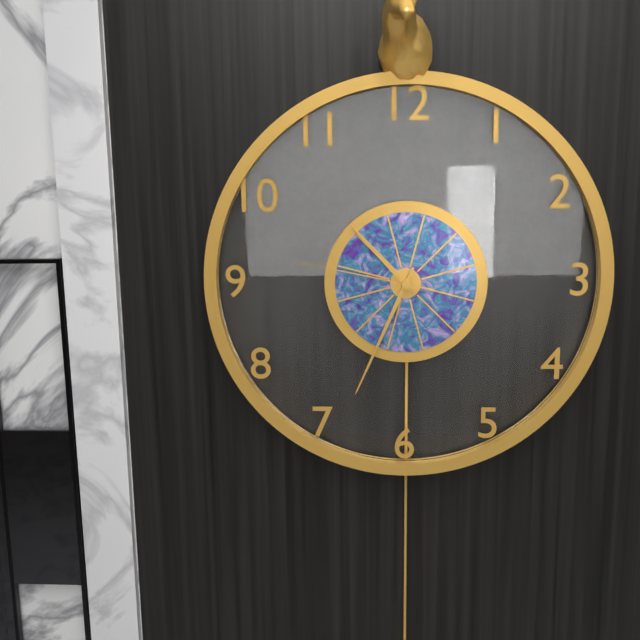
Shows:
10h34m47s
